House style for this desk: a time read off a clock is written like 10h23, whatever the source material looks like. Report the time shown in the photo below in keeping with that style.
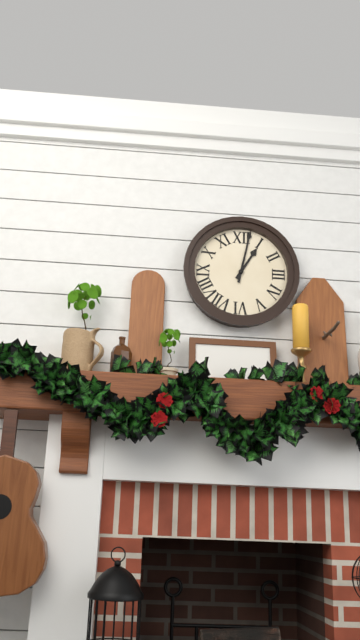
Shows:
1h02
